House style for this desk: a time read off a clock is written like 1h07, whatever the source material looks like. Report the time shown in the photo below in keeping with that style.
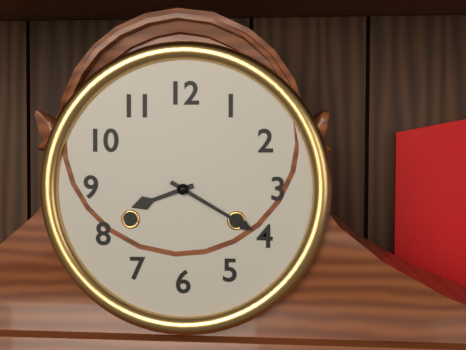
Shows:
8h20
